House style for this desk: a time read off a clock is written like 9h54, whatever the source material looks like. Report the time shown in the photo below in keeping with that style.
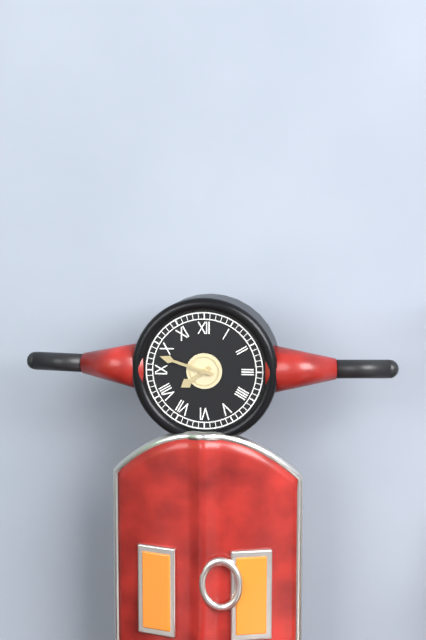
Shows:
7h48
